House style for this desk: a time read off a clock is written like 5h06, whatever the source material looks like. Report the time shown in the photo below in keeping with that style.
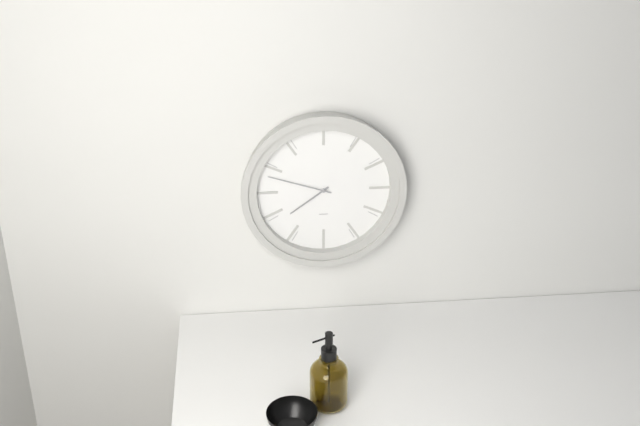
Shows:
7h48
